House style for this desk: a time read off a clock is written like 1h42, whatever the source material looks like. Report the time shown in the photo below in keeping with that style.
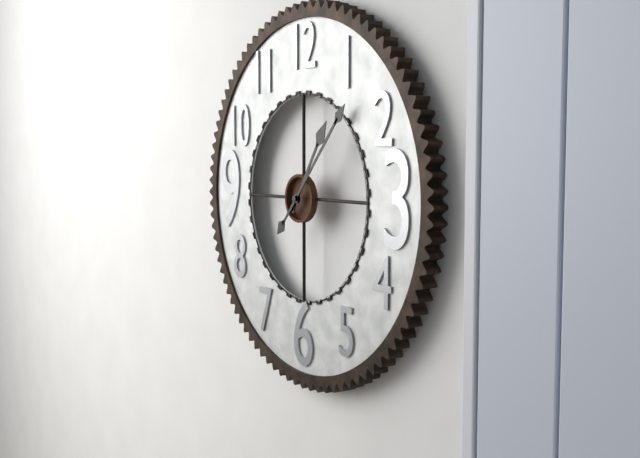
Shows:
1h07
